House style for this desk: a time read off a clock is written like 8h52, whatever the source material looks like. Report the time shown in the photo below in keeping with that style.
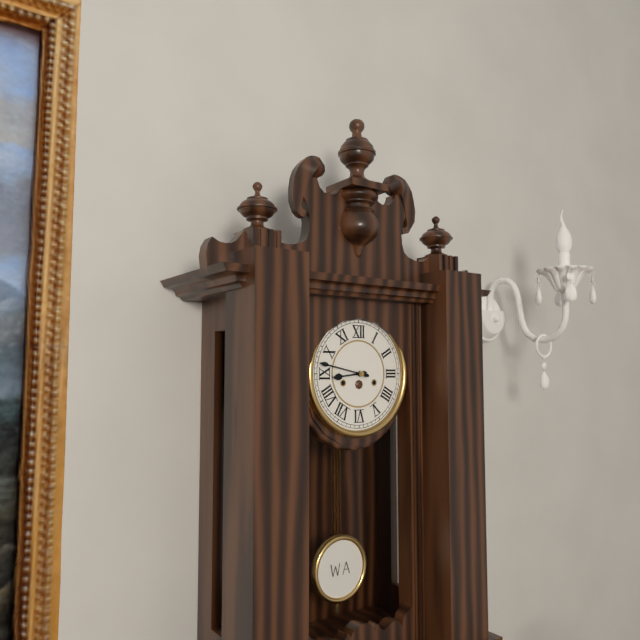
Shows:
8h47
